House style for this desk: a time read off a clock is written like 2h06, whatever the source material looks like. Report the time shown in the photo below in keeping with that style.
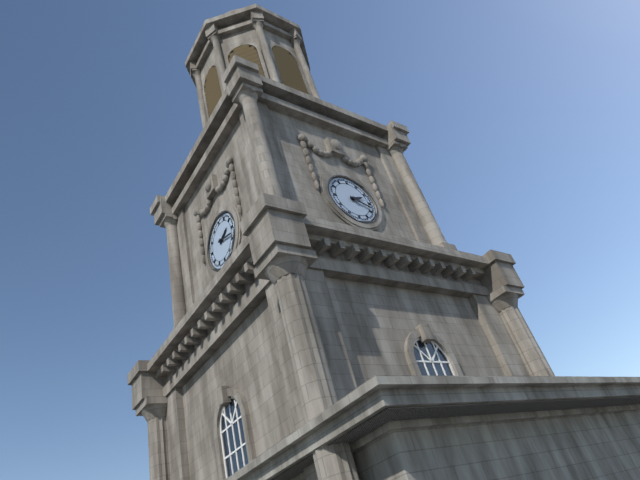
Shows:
2h18
